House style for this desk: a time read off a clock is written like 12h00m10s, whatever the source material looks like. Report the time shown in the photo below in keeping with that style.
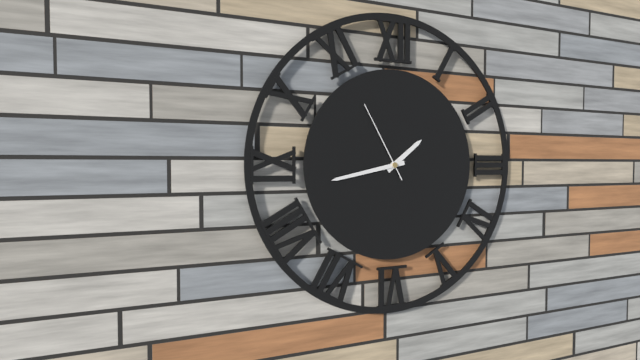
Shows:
1h43m55s
